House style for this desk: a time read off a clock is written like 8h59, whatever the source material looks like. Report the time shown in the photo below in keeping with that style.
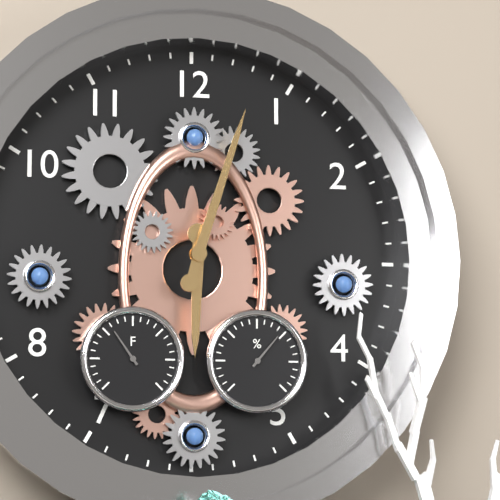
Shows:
6h03
